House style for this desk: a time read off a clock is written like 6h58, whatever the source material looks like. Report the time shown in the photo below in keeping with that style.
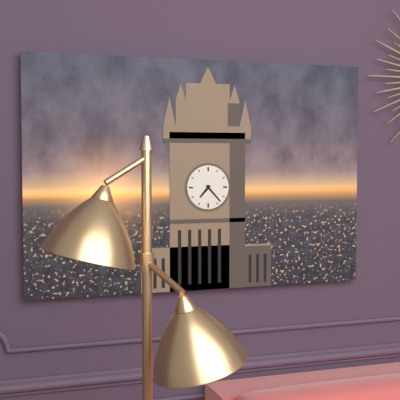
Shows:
7h23
